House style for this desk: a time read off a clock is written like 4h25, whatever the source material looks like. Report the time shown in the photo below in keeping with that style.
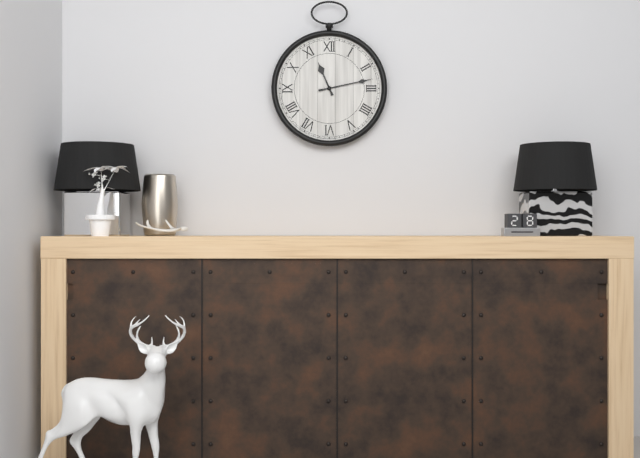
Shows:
11h13
